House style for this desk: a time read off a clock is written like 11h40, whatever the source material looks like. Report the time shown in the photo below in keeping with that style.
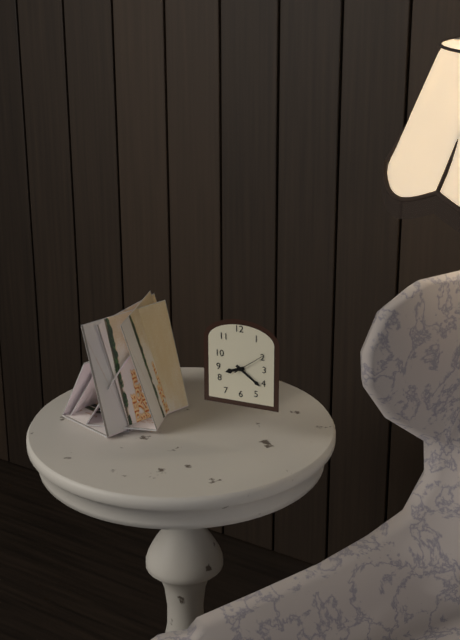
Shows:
8h21
